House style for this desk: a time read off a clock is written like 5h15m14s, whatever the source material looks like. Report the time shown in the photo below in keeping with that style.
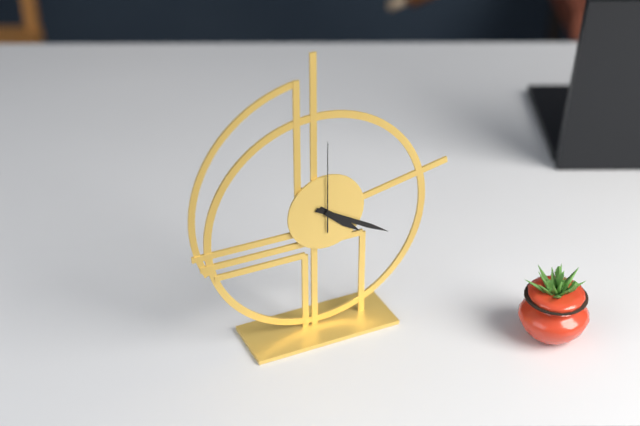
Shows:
4h20m00s
